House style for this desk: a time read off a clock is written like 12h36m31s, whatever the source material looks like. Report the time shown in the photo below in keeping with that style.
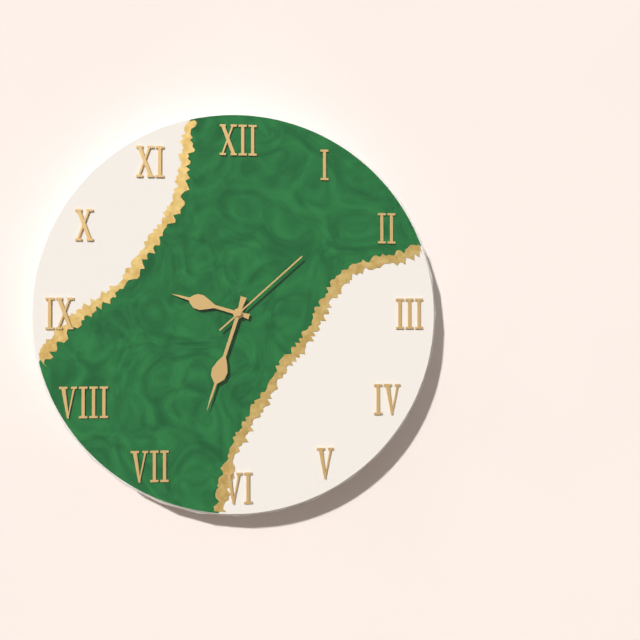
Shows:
9h33m08s
